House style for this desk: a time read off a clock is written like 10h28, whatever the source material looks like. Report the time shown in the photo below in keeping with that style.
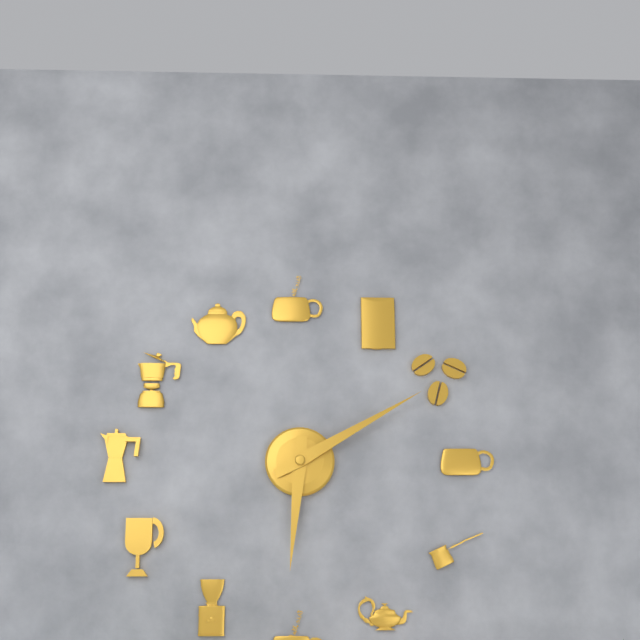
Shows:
6h10
